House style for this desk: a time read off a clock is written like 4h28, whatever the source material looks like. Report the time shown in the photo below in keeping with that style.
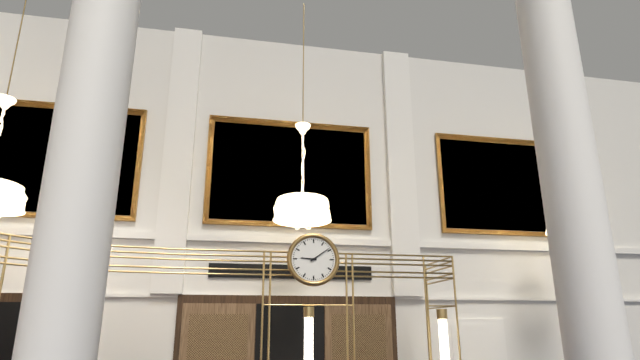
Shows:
9h09
